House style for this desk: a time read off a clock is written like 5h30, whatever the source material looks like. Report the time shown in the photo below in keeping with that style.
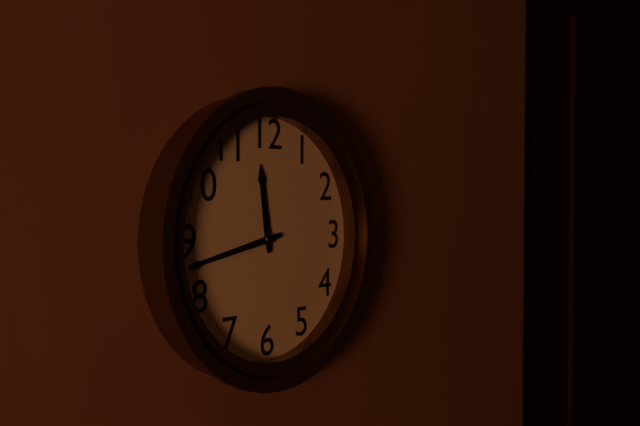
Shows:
11h43
